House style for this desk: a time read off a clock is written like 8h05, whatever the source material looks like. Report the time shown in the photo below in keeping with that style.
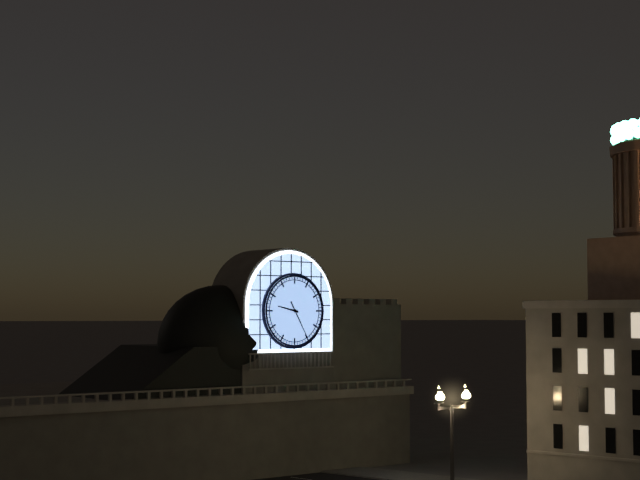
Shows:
9h25
